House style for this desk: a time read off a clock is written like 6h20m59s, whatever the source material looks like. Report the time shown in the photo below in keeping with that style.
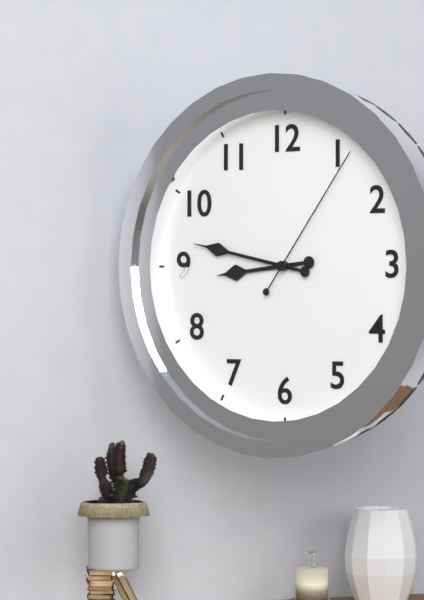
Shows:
8h47m06s
